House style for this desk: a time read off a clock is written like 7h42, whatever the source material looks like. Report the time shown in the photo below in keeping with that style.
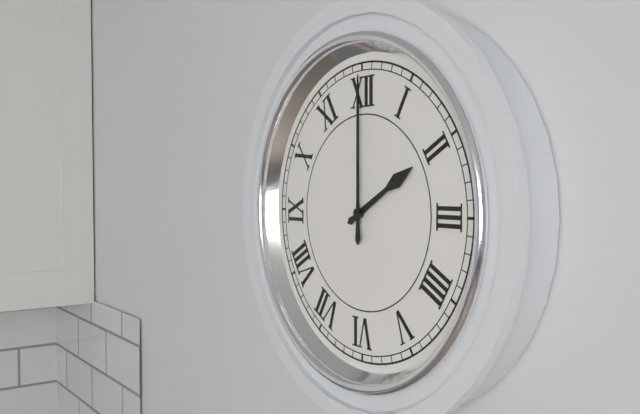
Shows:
2h00
